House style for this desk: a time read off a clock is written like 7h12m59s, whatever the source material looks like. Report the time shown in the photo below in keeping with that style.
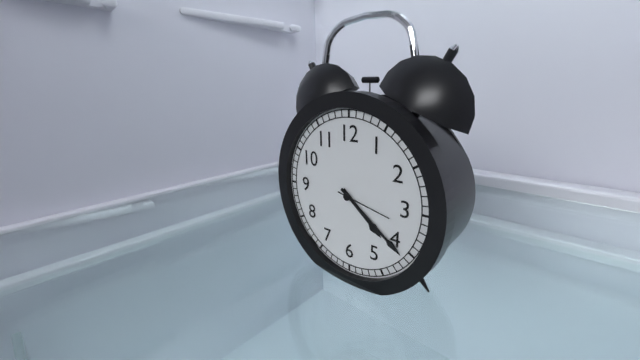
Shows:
4h21m17s
